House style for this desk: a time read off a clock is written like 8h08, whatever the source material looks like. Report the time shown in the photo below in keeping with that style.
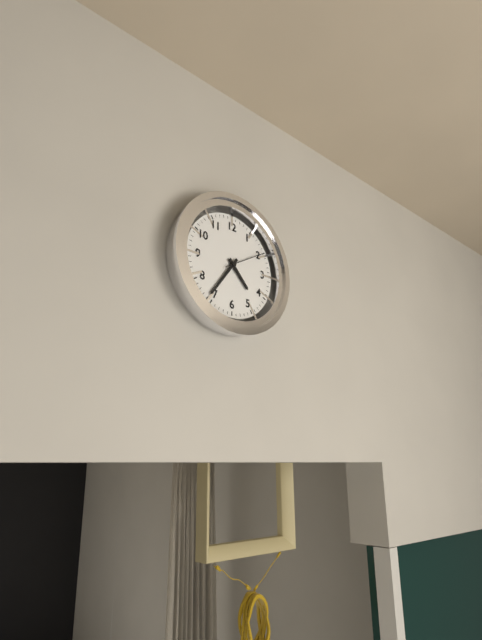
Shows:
4h36
